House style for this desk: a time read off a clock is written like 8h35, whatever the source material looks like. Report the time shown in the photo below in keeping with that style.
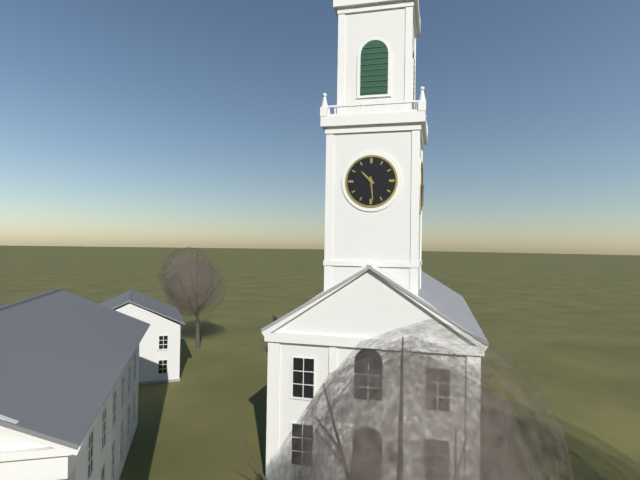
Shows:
10h29
